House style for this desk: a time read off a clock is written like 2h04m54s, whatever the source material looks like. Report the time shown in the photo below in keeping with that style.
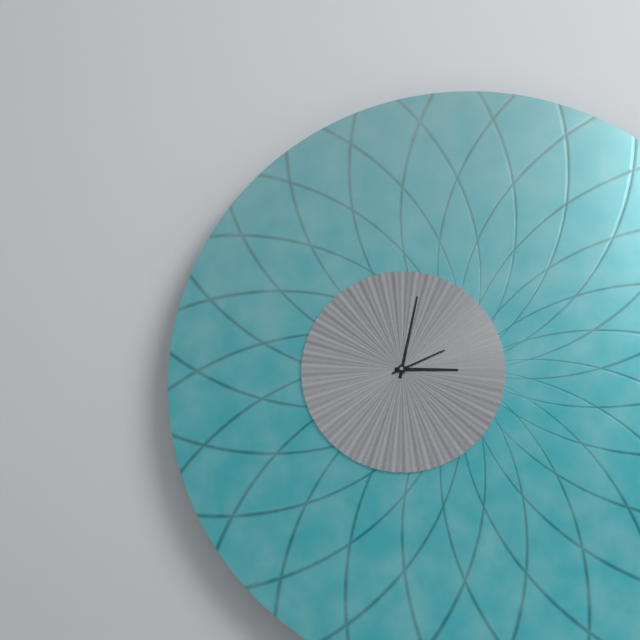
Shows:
3h02m11s
